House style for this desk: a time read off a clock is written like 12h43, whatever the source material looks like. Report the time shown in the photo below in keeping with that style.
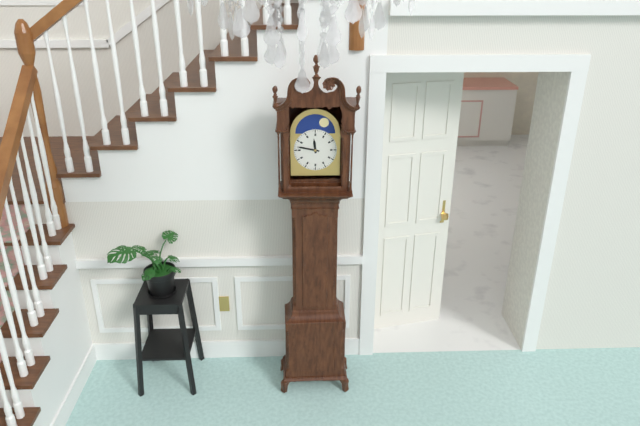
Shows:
11h47
